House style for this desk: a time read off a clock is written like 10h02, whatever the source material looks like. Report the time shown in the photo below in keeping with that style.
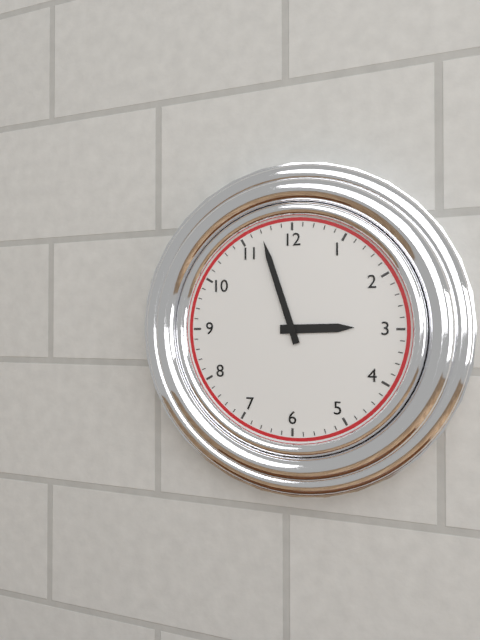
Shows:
2h57
